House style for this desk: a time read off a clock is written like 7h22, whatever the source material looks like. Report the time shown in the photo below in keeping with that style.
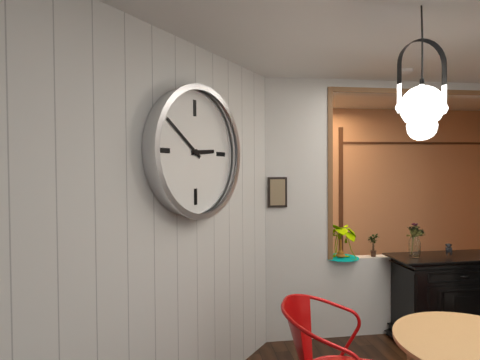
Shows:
2h51
